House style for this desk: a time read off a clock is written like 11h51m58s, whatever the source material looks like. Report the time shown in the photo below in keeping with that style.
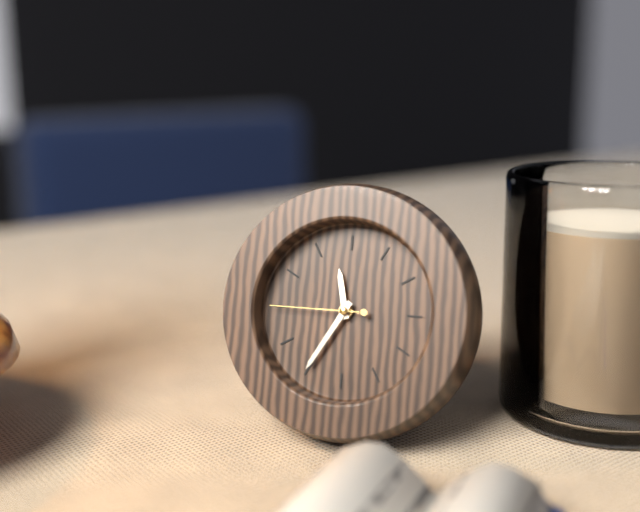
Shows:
11h35m45s
